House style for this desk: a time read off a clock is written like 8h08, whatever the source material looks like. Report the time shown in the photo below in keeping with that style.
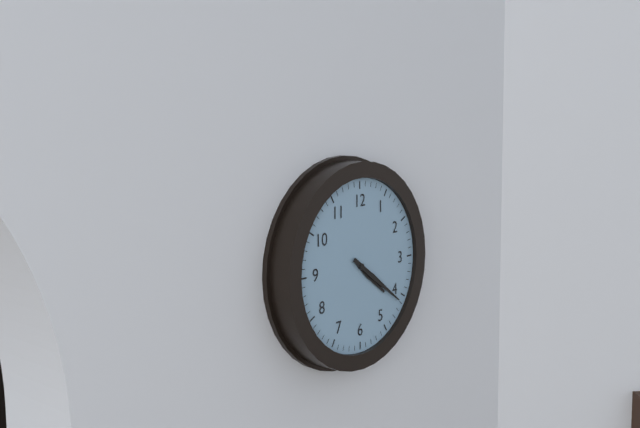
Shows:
4h21
